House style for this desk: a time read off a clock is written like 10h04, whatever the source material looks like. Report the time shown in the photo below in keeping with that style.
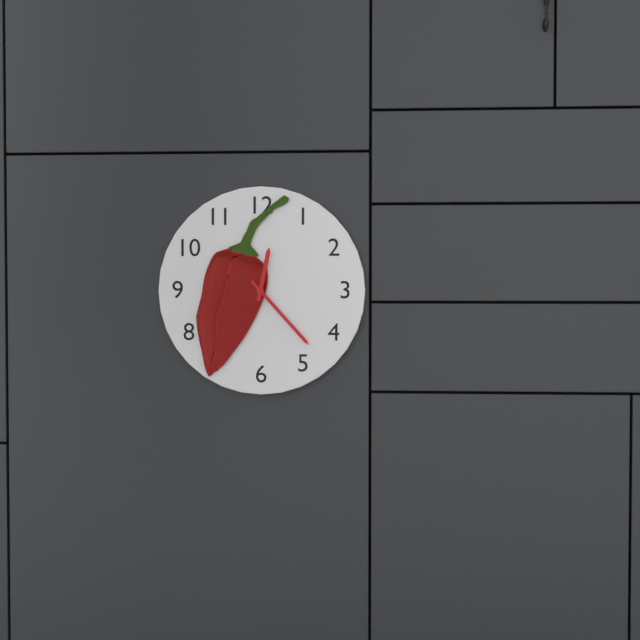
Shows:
12h23
